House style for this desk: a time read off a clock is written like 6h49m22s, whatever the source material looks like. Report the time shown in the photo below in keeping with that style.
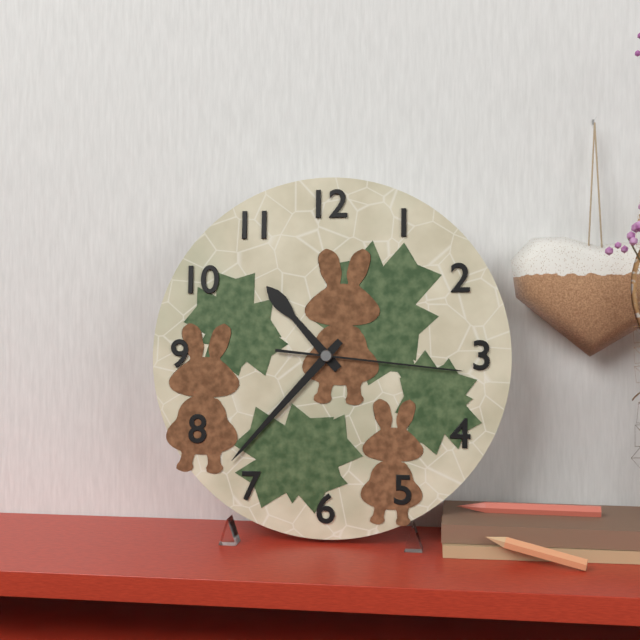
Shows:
10h37m16s
